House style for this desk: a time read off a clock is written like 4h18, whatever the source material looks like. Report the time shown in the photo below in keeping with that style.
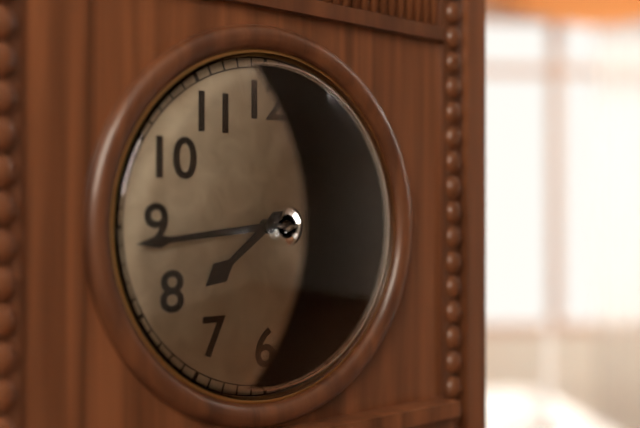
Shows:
7h44
